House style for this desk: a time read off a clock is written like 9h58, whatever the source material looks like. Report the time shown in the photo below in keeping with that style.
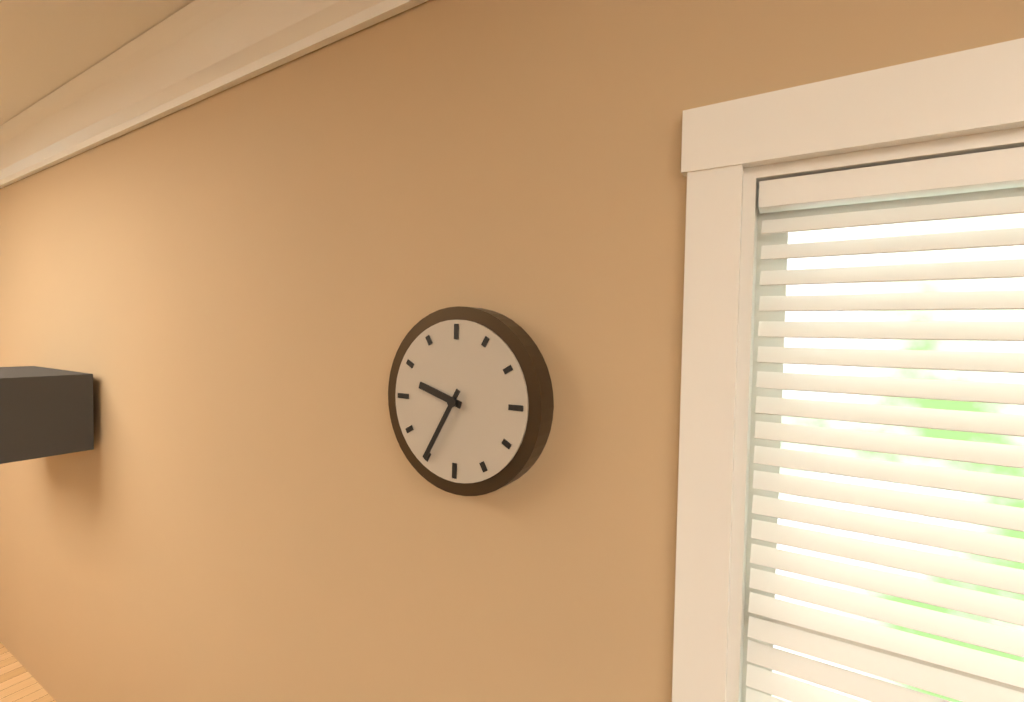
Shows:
9h35
